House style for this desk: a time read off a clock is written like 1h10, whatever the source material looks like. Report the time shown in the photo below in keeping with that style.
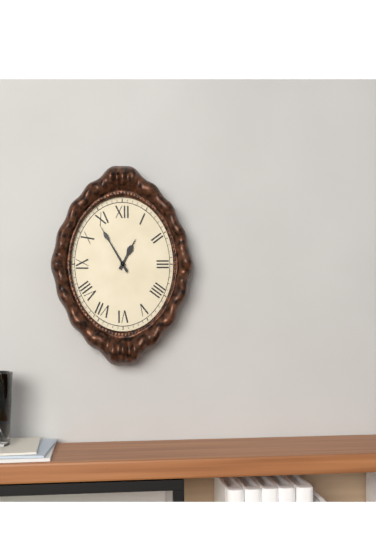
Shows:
12h55
